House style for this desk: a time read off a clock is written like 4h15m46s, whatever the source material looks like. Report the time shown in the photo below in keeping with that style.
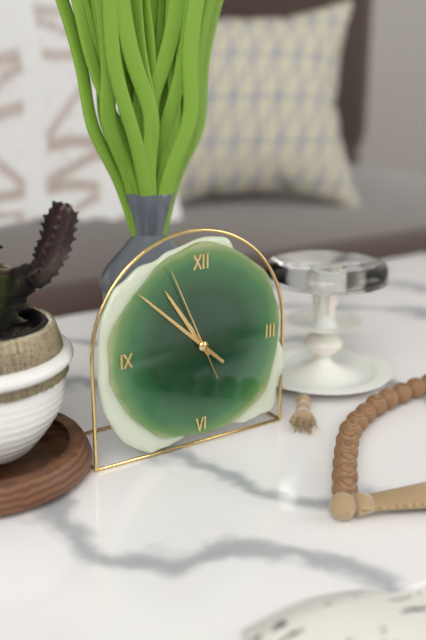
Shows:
10h52m56s
